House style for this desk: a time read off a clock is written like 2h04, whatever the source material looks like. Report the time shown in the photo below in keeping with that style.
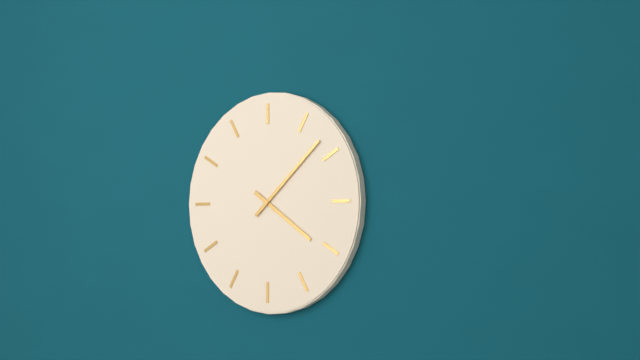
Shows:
4h08
